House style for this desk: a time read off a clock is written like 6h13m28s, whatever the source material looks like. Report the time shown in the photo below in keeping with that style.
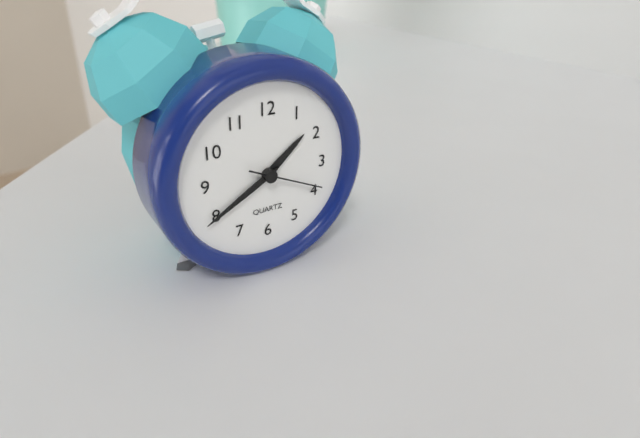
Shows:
1h40m19s
